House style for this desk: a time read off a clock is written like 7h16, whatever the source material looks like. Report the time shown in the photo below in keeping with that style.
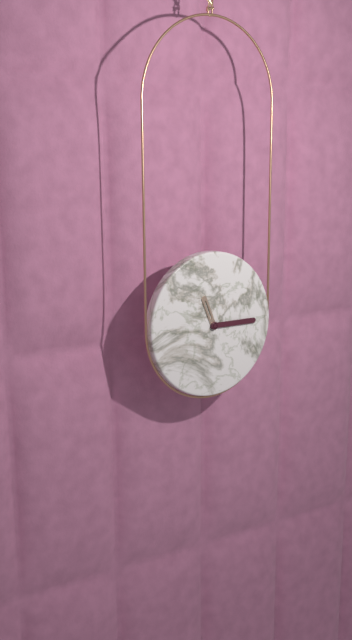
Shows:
11h15
